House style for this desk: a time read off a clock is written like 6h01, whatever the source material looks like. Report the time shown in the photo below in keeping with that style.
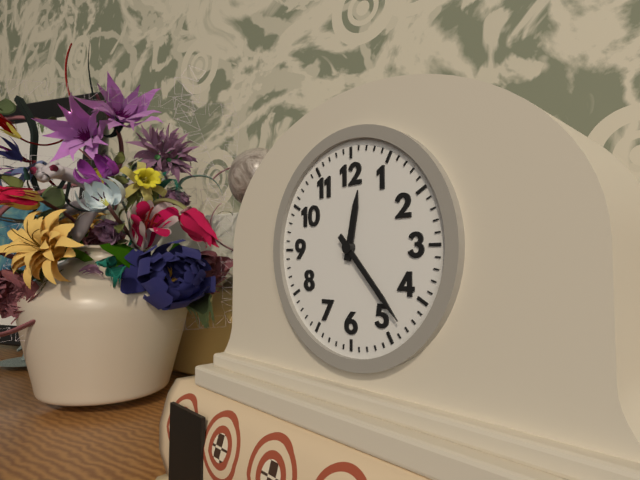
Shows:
12h23
